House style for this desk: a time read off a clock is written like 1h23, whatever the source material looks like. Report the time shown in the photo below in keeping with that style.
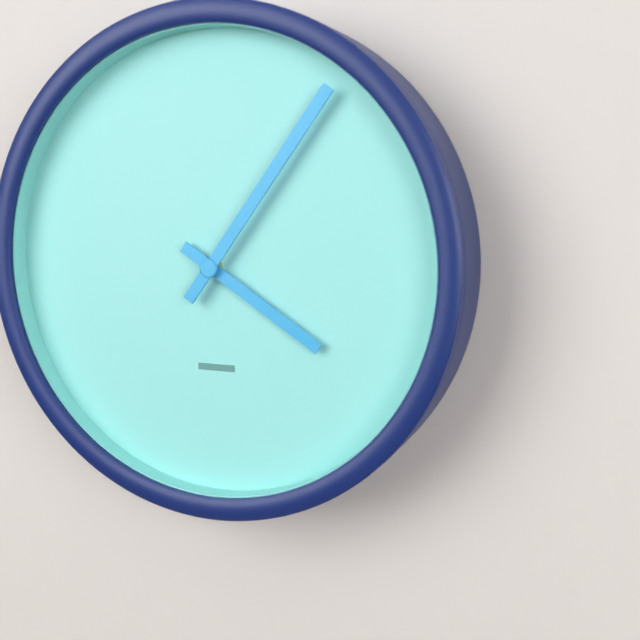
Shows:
4h06
